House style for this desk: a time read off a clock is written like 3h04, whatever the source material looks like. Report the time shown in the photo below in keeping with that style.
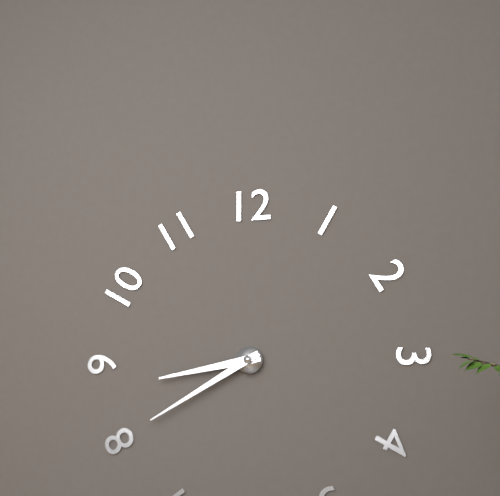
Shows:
8h40
